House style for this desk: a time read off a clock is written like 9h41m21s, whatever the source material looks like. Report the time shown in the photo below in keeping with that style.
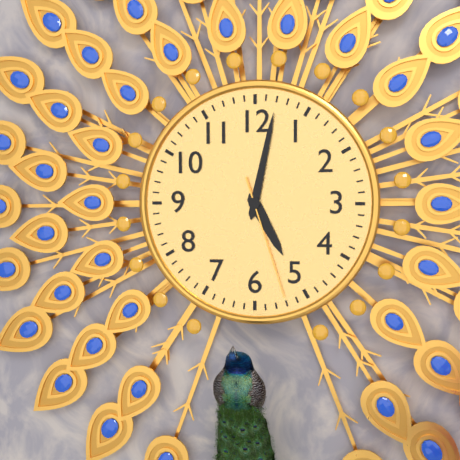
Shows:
5h02m27s
